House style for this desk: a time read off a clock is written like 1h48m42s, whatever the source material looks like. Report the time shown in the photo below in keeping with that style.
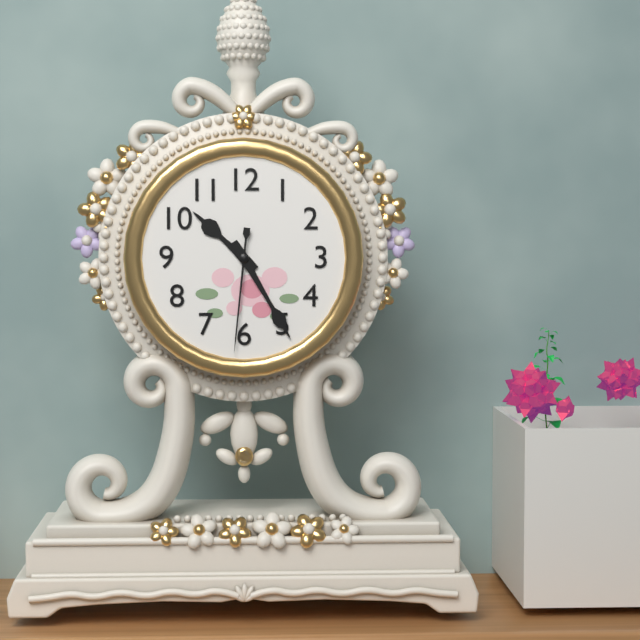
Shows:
10h25m31s
